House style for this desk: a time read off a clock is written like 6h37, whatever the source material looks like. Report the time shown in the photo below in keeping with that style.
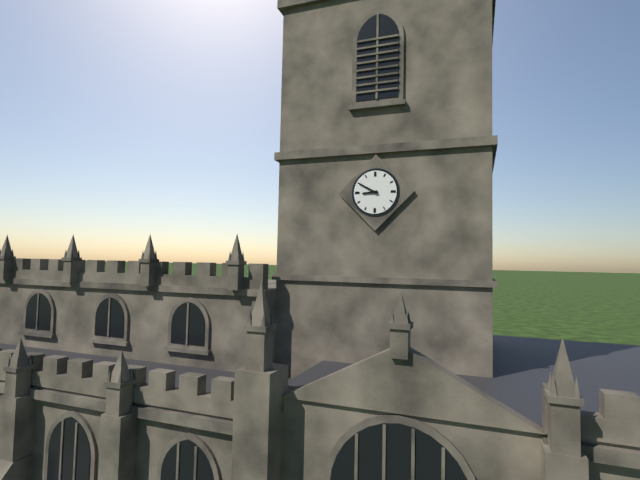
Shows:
8h50
